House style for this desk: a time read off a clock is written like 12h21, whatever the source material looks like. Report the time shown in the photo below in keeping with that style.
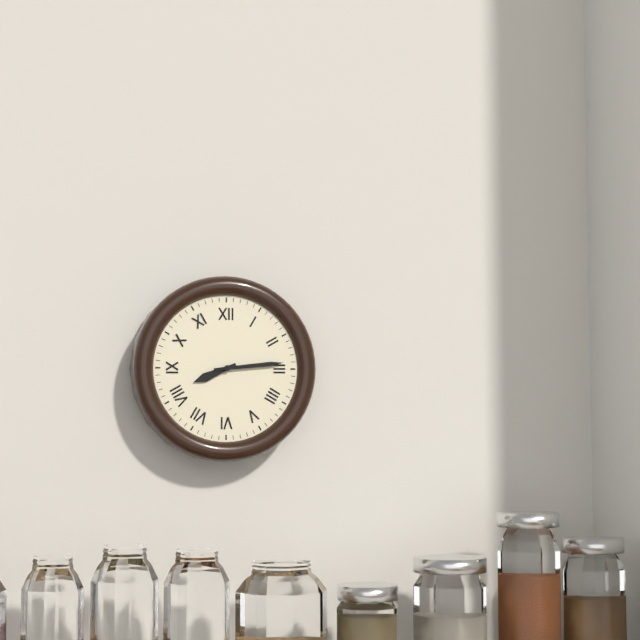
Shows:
8h14
